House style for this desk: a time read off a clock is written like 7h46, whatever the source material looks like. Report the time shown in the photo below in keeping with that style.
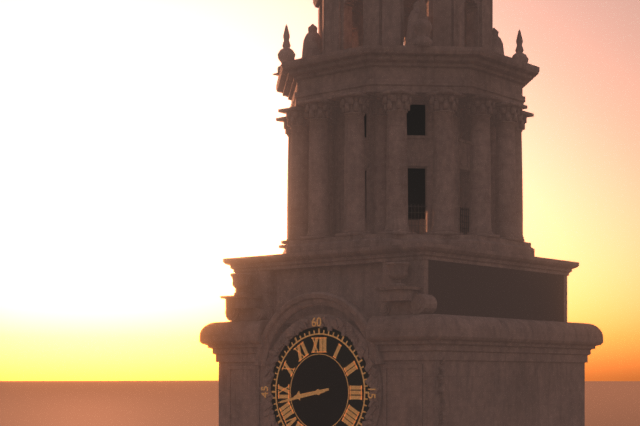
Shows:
8h43
